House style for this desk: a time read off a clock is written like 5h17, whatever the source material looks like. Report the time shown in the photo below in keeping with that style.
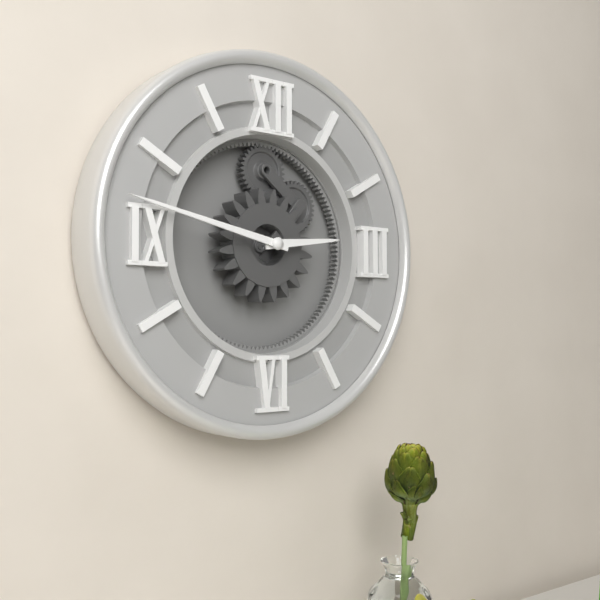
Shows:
2h47
